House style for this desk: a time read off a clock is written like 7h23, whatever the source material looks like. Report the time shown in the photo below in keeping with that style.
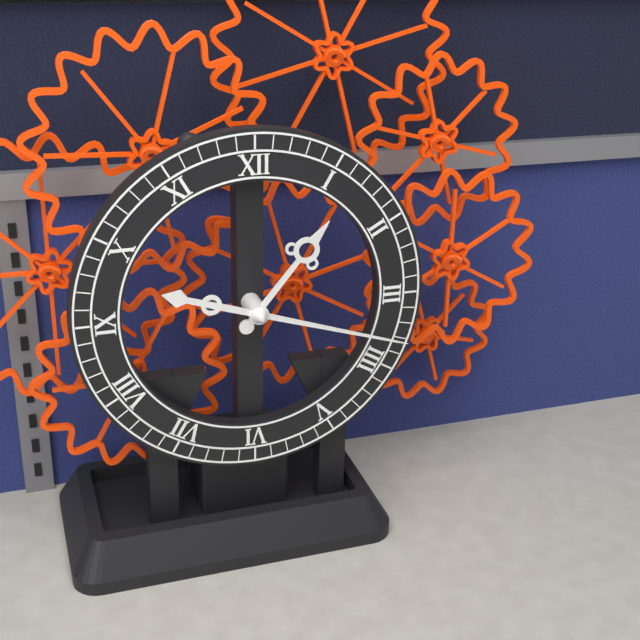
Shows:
1h18
